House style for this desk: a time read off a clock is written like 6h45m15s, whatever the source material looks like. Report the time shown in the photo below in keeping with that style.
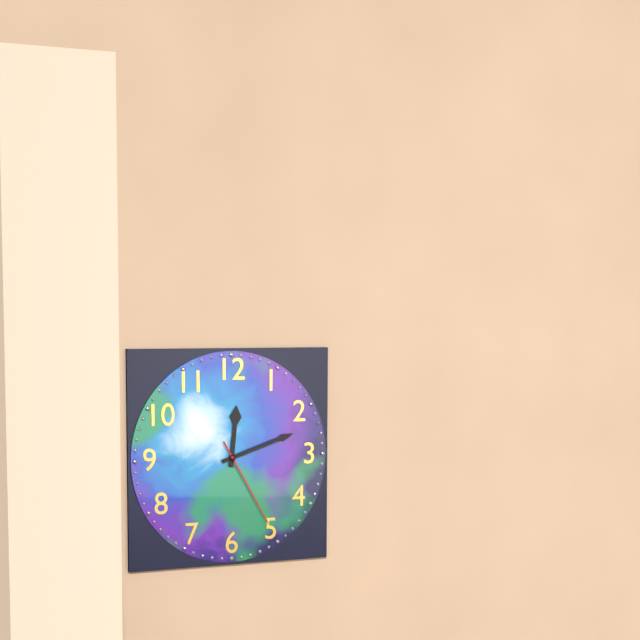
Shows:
12h12m25s
